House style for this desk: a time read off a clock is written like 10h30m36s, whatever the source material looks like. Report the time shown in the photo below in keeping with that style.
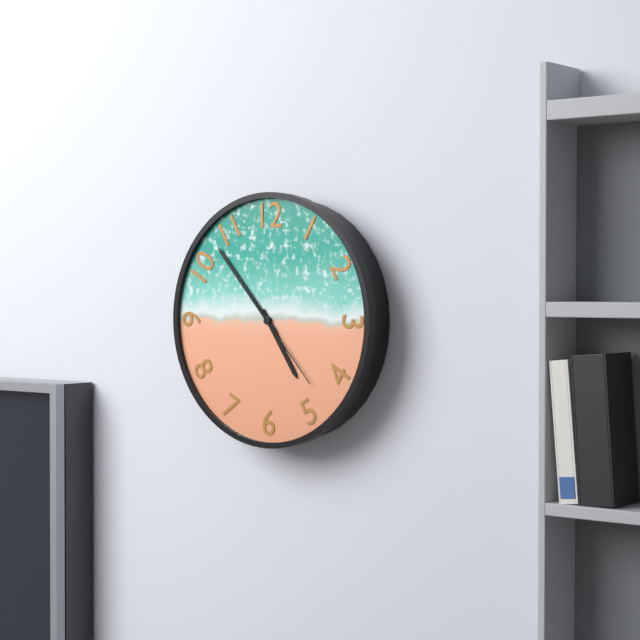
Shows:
4h53m23s
